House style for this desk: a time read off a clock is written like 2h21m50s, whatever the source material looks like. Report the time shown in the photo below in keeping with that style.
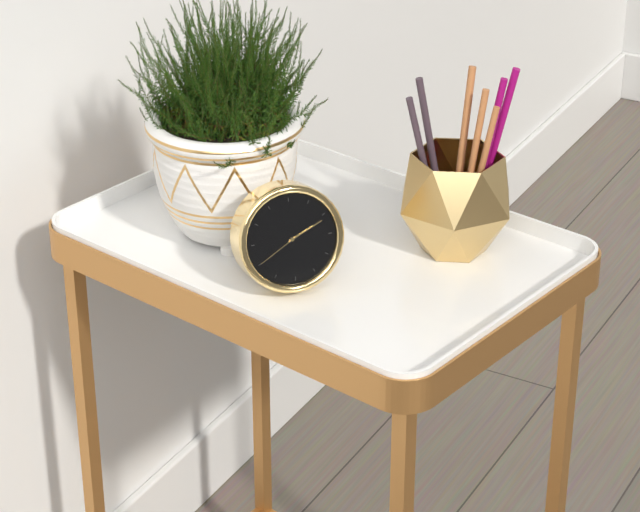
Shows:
2h11m40s
